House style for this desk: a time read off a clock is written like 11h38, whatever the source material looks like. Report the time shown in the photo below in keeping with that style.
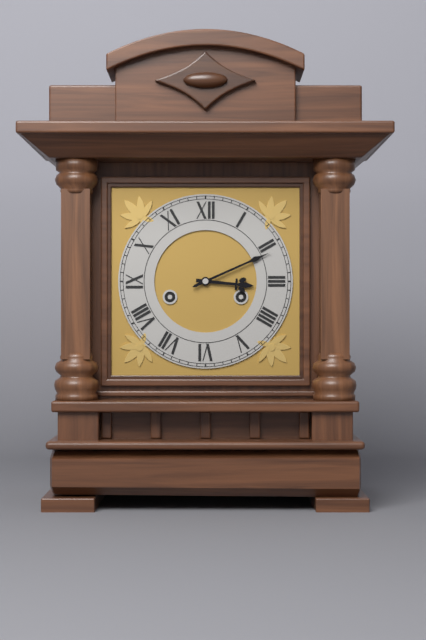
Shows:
3h11
